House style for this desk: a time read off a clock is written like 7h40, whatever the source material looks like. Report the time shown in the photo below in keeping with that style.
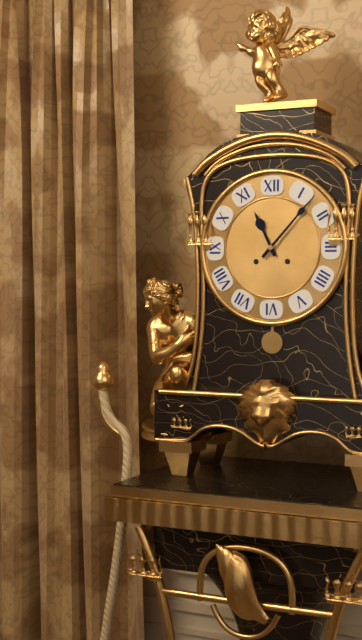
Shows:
11h07
